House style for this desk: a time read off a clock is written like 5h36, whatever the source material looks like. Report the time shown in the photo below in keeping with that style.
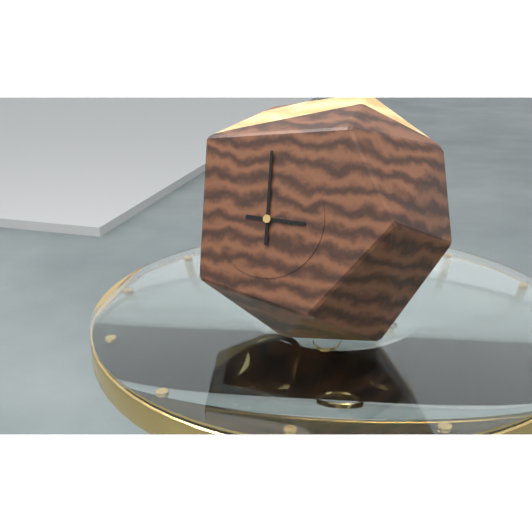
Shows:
2h59
